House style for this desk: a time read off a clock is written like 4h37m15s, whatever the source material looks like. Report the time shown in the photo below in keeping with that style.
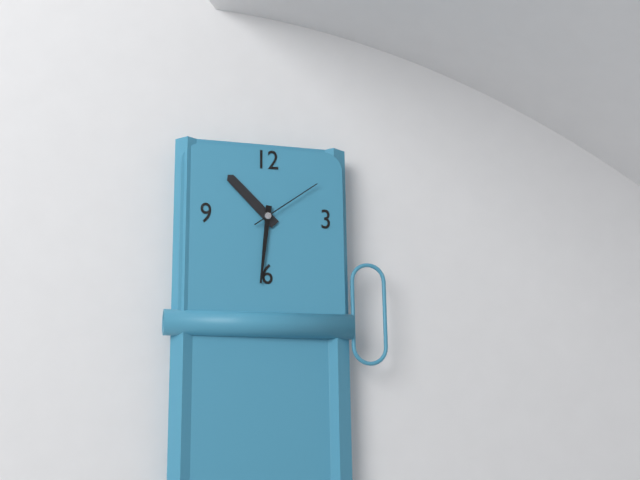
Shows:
10h31m09s
